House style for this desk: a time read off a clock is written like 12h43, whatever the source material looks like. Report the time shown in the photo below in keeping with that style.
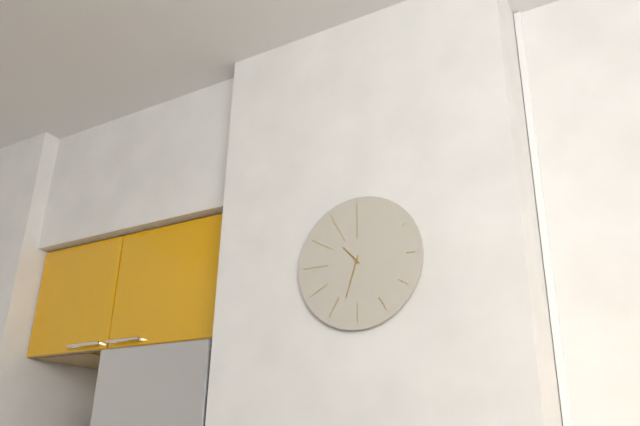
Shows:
10h33
